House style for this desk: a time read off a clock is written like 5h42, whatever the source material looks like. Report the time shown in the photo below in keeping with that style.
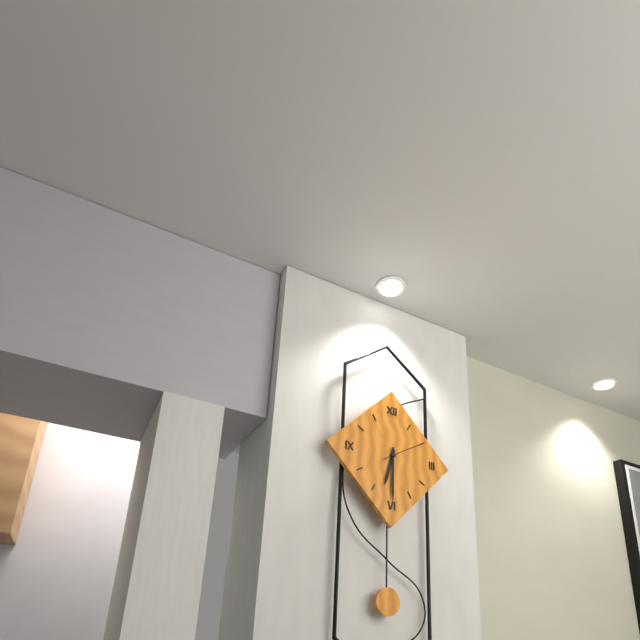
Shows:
6h30
